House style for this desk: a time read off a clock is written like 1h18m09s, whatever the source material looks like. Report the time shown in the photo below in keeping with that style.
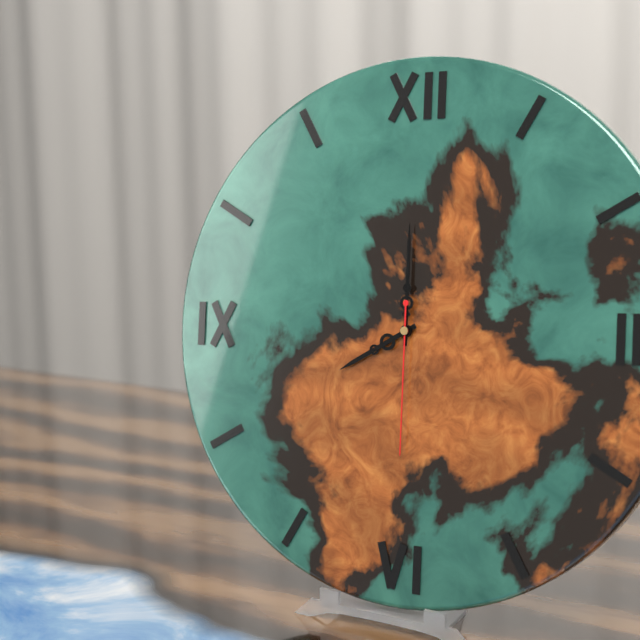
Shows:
8h00m30s
